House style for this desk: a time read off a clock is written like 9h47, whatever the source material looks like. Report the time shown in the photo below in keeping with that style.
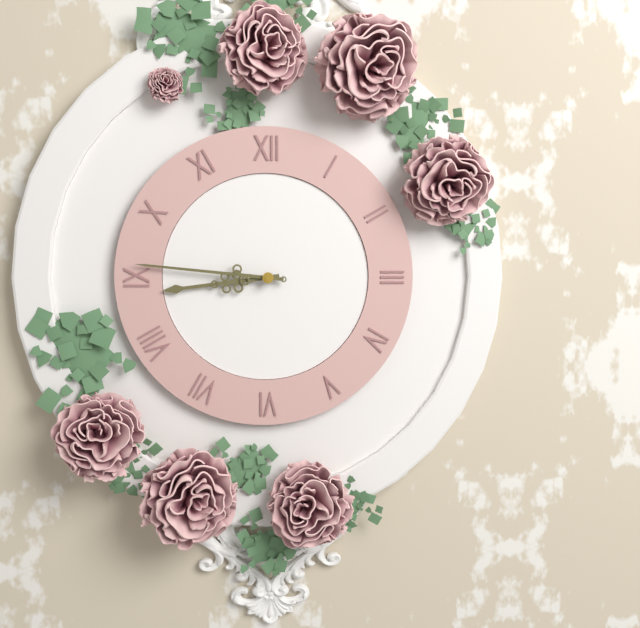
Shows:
8h46
